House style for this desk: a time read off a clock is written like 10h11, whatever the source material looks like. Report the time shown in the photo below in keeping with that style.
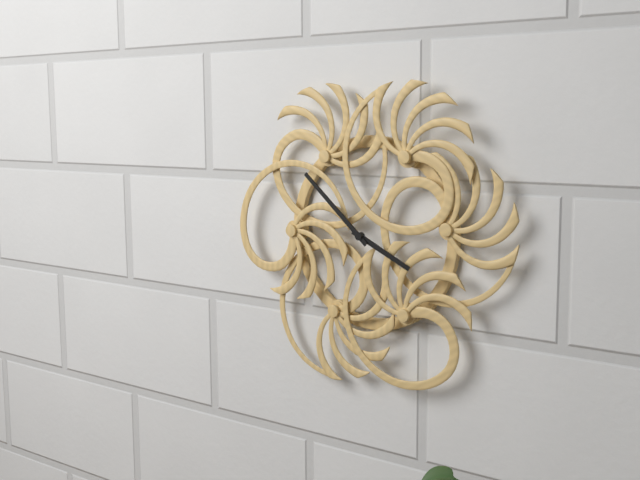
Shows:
3h52
